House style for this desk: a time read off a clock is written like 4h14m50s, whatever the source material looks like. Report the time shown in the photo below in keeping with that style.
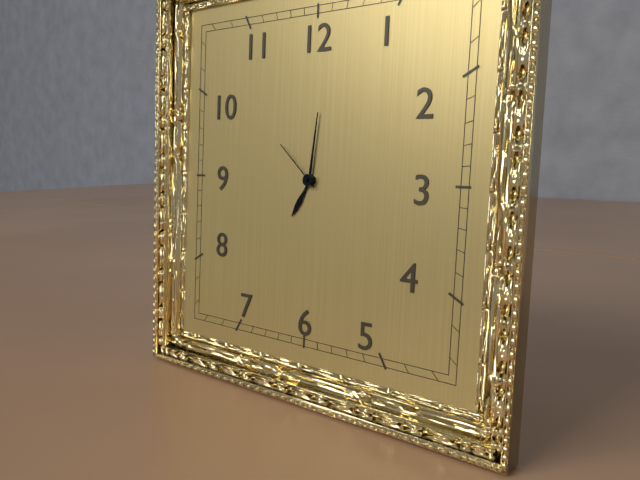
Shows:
7h01m52s
